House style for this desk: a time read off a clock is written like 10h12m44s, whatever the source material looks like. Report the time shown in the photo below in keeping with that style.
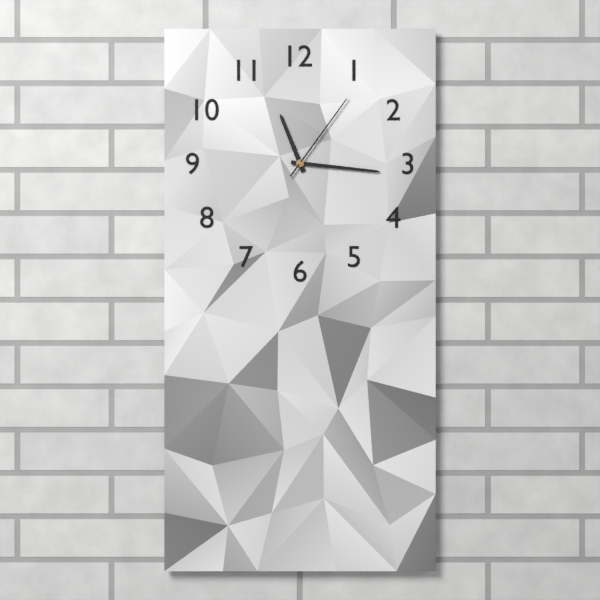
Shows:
11h16m06s
